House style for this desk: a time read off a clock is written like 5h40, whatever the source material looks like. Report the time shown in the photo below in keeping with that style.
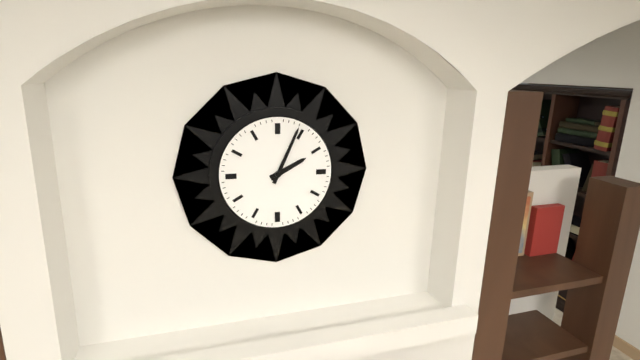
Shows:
2h04
